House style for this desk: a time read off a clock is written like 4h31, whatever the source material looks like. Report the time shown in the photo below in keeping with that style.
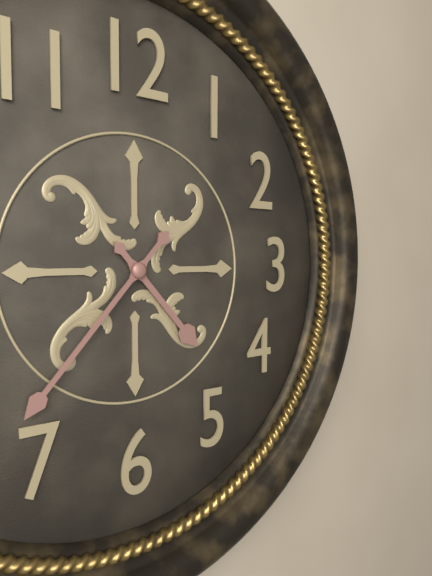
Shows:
4h37
